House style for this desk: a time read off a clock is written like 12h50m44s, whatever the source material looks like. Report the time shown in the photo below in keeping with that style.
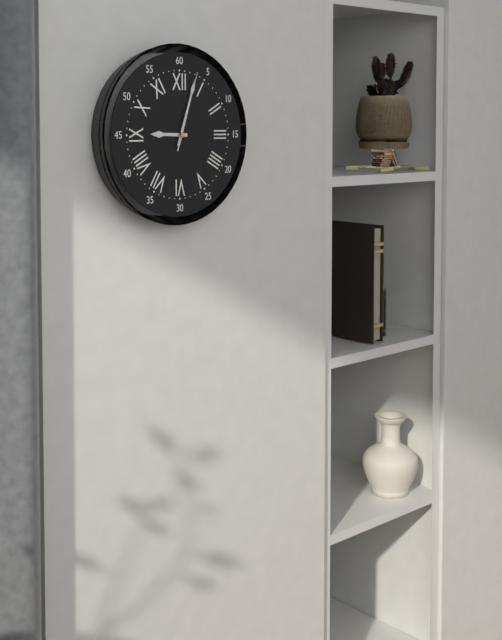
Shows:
9h03m03s
